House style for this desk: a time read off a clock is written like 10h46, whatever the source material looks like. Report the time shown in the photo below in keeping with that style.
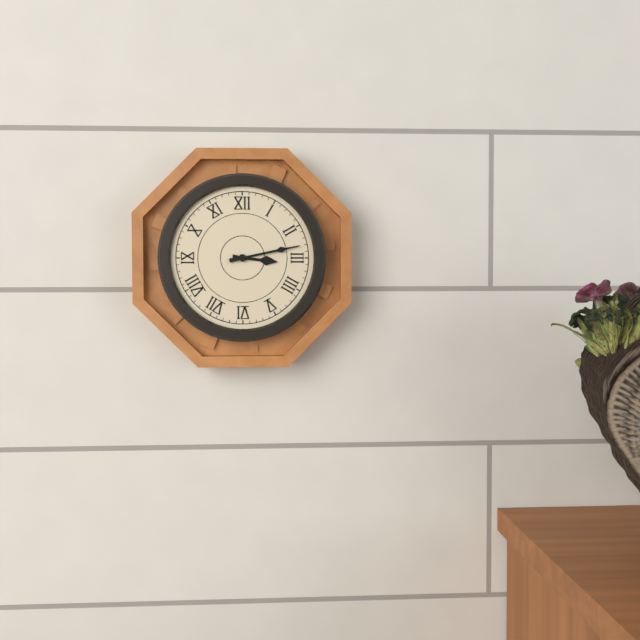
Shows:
3h13
